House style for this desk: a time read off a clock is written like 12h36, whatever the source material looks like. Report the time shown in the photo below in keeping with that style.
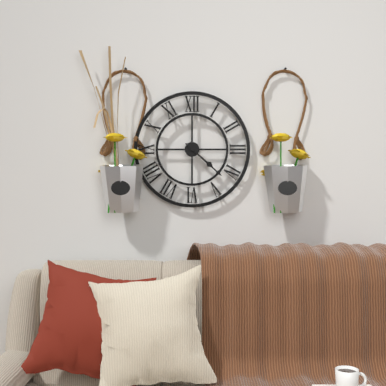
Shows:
4h22
